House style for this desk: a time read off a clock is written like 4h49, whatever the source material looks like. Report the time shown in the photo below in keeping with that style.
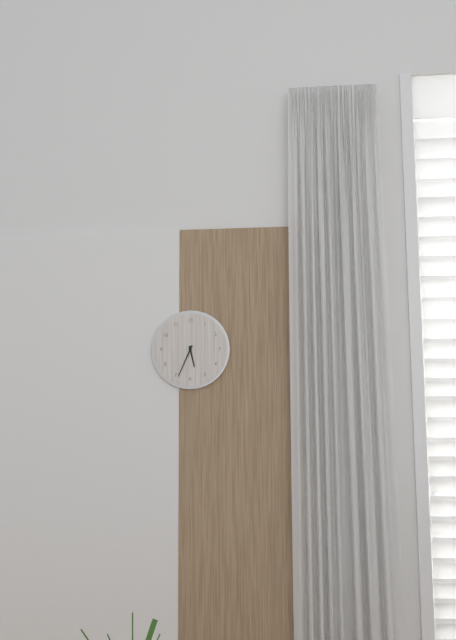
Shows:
5h34
